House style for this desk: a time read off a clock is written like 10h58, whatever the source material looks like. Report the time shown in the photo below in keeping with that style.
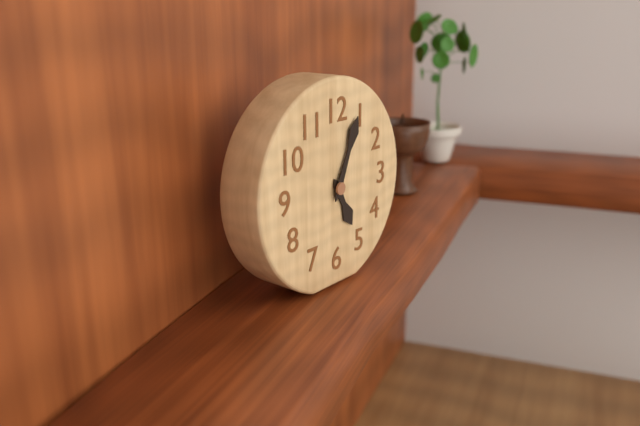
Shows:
5h04
